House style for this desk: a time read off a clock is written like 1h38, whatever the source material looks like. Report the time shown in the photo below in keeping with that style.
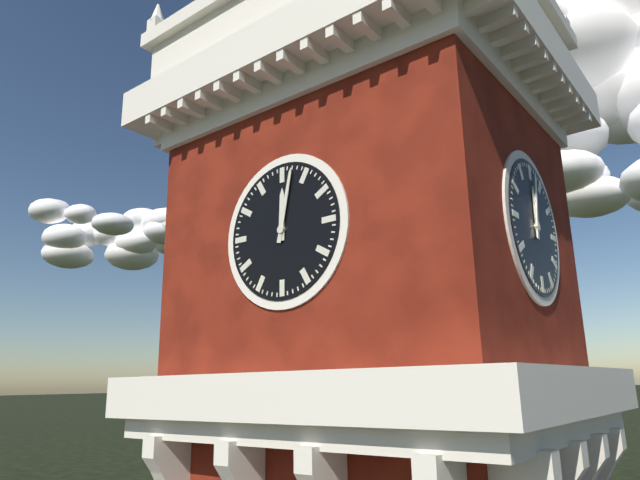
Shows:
12h02
